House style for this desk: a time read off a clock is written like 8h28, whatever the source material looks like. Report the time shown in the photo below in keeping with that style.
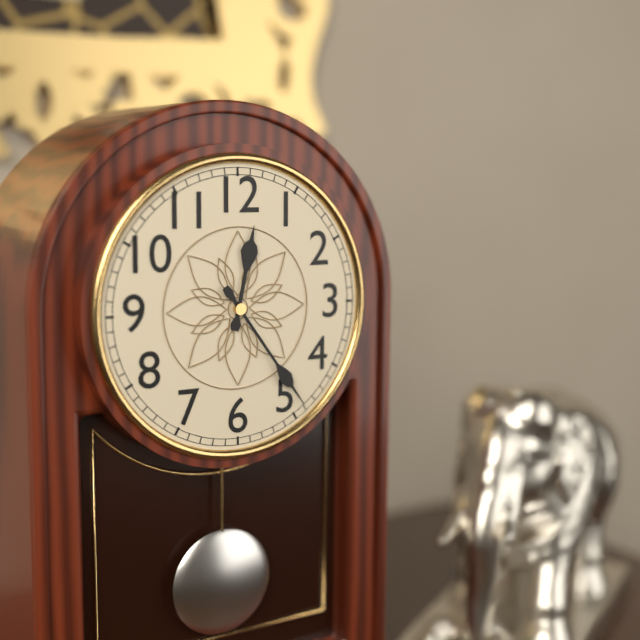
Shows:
12h24
